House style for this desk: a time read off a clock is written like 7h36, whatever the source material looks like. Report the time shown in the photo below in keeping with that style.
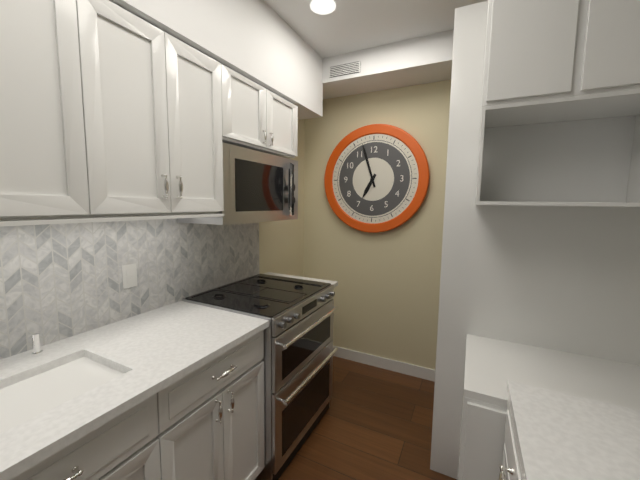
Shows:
6h57
